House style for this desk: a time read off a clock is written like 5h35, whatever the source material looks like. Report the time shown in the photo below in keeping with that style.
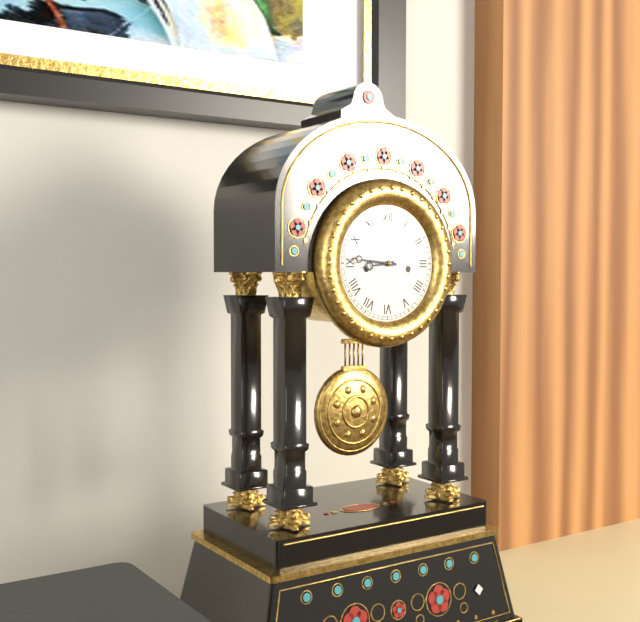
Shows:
8h46
